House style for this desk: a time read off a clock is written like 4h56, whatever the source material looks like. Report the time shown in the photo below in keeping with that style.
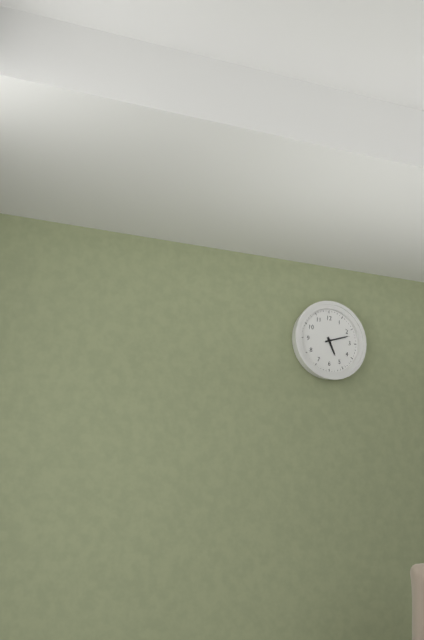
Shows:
5h12
